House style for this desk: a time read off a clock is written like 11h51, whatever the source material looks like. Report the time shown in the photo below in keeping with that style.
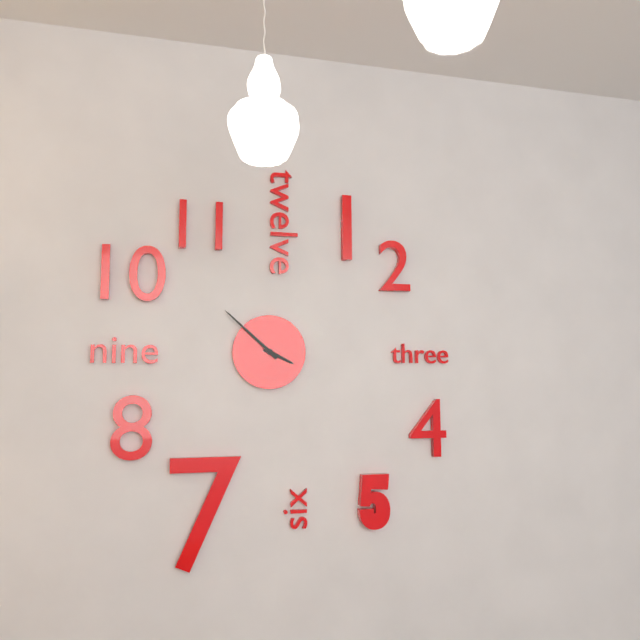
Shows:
3h52
